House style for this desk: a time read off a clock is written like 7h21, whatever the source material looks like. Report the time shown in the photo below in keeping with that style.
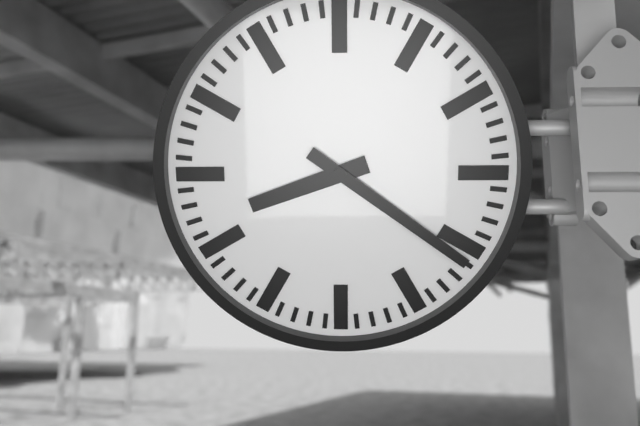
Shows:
8h21
